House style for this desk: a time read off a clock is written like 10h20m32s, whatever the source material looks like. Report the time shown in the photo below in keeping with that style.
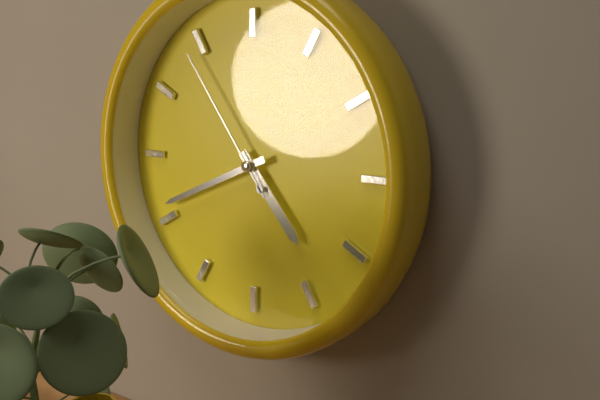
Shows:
4h41m54s
